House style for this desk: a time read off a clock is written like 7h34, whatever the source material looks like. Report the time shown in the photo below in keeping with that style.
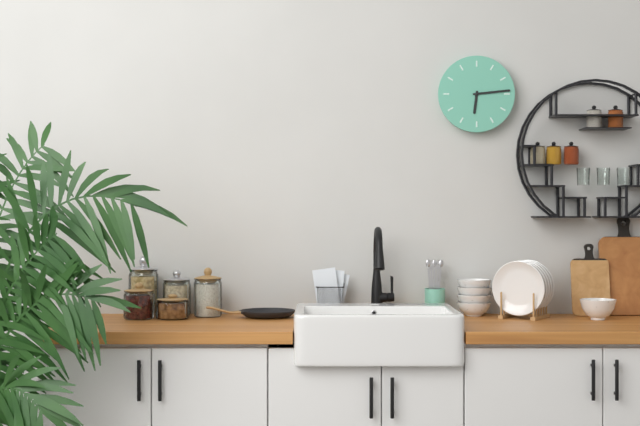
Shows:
6h14
